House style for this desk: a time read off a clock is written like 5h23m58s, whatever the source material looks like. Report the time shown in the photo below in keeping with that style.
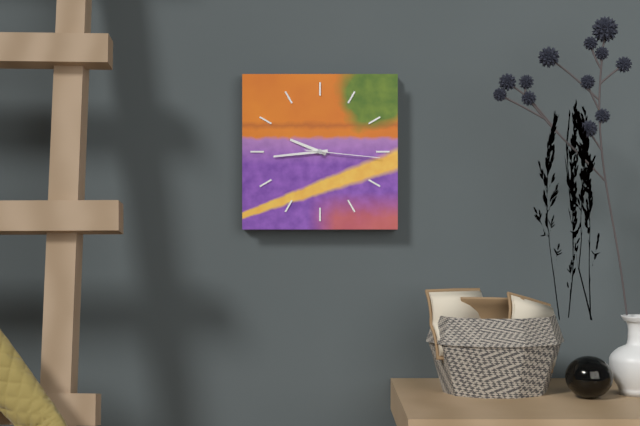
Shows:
9h44m16s
